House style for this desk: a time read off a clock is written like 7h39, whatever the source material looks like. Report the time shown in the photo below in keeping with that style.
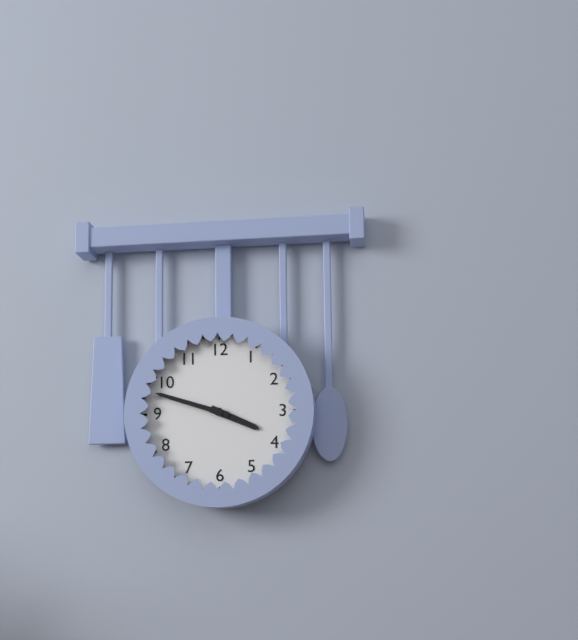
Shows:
3h48
